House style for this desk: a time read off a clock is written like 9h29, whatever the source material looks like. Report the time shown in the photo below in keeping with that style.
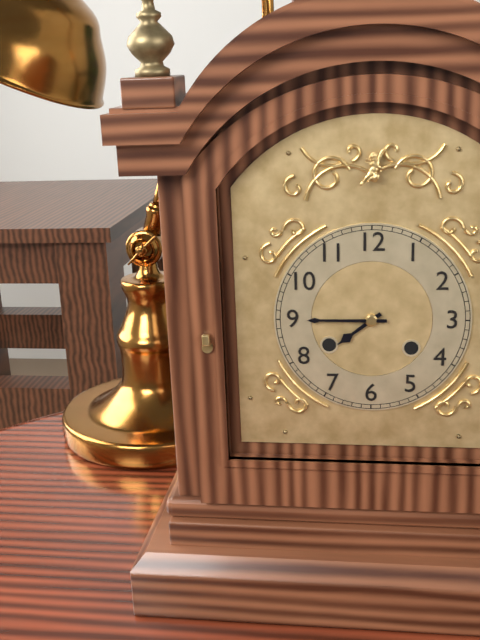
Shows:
7h45
